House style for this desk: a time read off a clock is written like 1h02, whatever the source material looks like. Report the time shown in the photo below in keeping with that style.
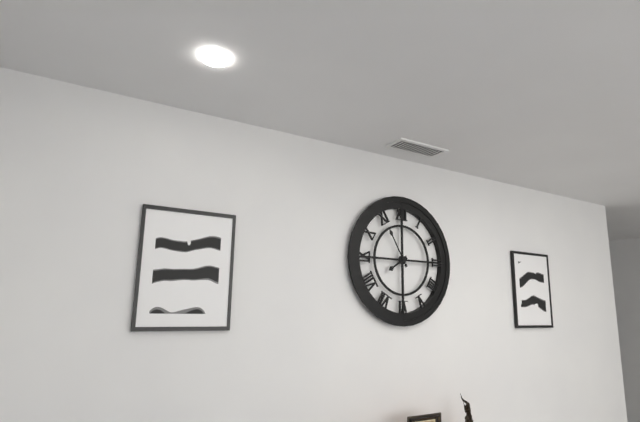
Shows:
7h55
